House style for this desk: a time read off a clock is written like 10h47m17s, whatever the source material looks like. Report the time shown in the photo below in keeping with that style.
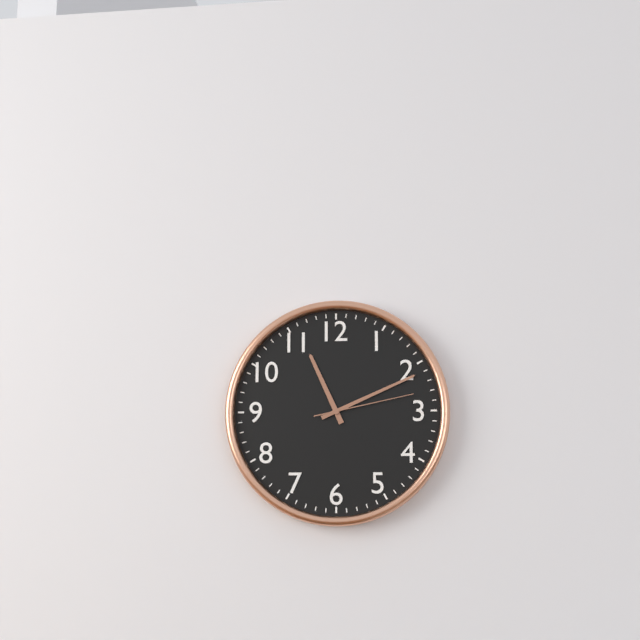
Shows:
11h11m13s
